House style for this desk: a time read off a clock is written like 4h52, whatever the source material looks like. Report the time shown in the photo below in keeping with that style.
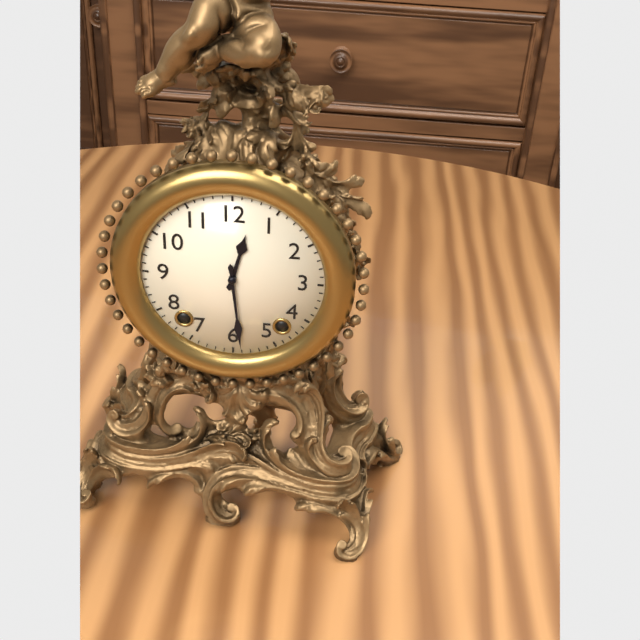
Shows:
12h29
